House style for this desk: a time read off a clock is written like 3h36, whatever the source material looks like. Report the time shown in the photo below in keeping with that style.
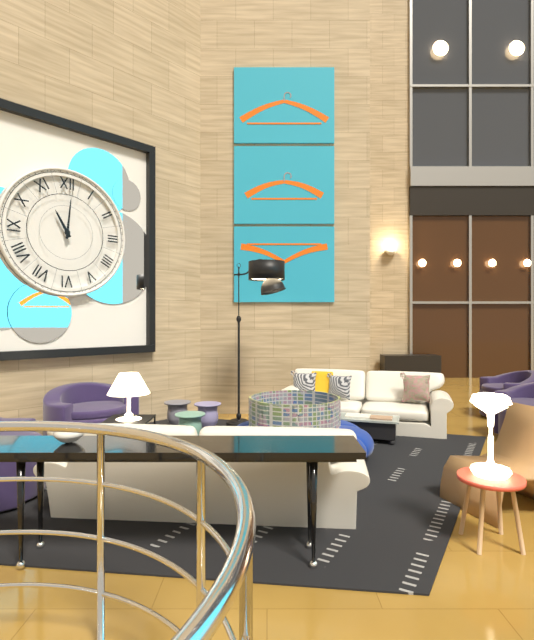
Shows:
11h01
